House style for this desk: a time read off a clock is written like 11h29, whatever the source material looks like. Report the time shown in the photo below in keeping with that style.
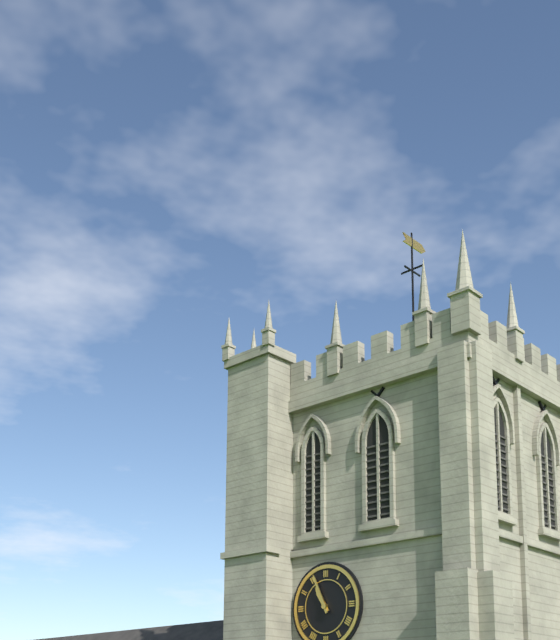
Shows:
10h56
